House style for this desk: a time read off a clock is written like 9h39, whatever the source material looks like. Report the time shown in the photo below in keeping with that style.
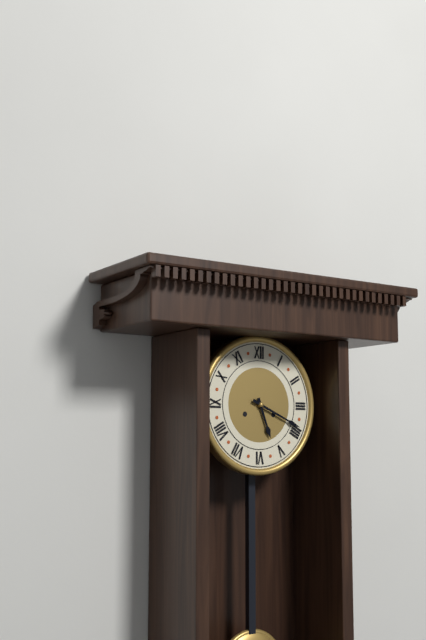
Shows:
5h19
